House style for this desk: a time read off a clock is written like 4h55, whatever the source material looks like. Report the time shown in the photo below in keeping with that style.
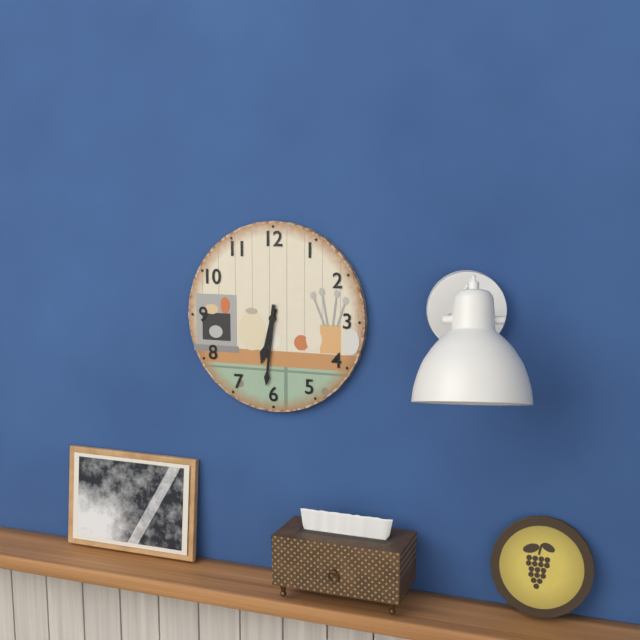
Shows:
6h31
